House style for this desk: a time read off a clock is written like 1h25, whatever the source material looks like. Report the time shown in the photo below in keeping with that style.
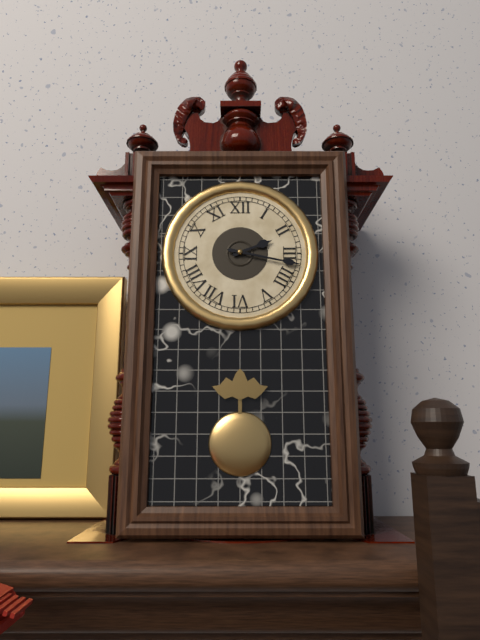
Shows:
2h17
